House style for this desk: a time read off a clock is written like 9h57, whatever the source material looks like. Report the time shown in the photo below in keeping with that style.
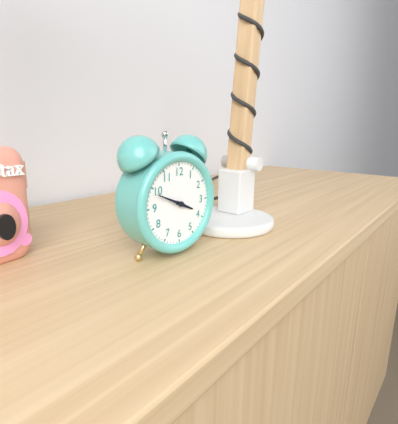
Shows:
3h49
